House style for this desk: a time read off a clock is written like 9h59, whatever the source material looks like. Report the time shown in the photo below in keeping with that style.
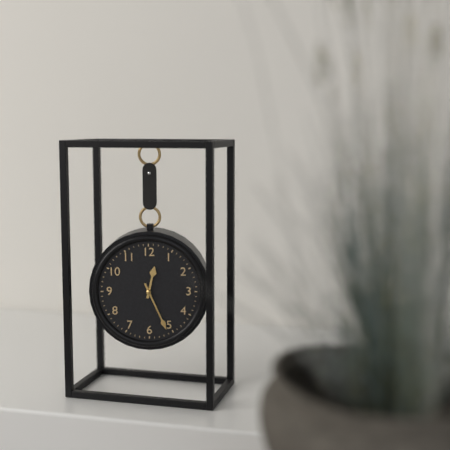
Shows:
12h26
